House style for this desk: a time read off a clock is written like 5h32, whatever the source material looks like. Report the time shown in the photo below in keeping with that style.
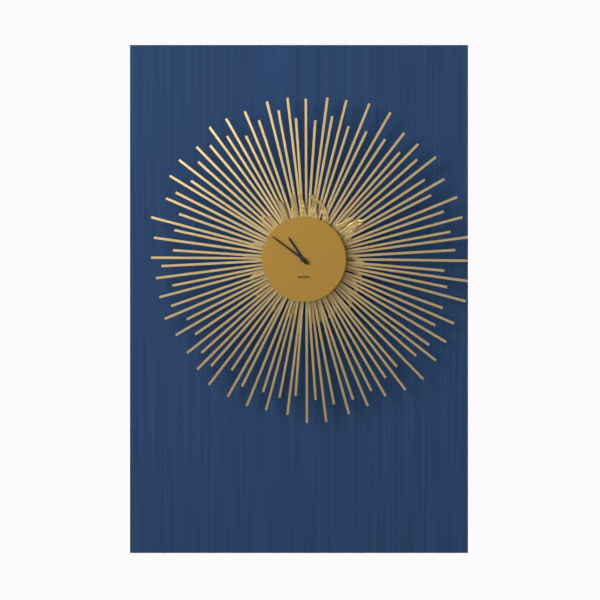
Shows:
10h51
